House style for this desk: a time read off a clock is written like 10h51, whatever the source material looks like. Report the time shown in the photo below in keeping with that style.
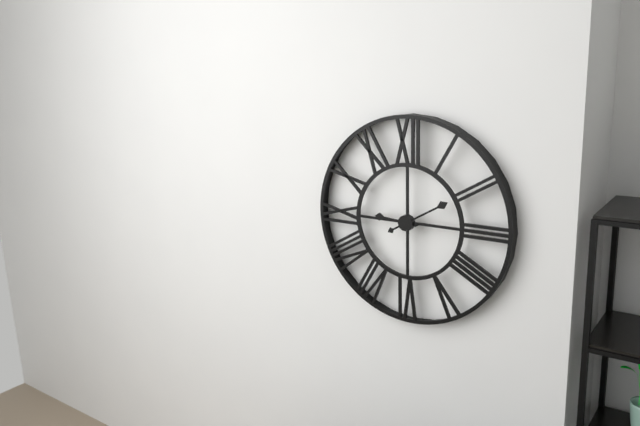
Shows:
9h10
